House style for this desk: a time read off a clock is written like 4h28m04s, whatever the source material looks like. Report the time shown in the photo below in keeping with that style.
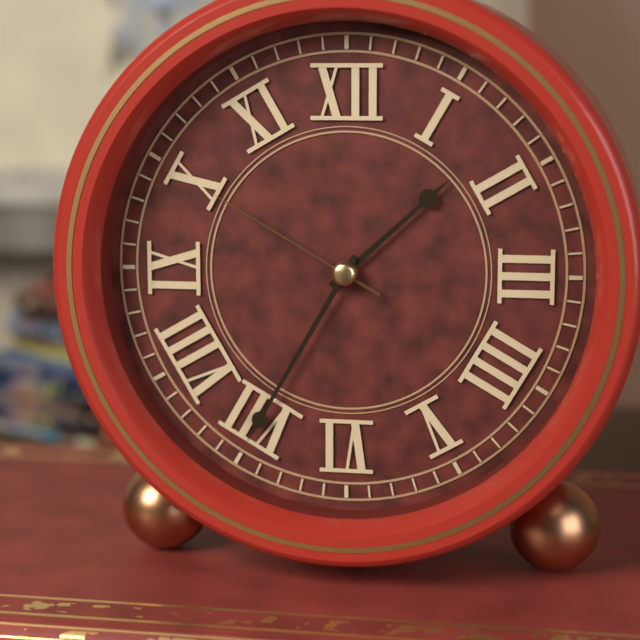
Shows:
1h35m50s
